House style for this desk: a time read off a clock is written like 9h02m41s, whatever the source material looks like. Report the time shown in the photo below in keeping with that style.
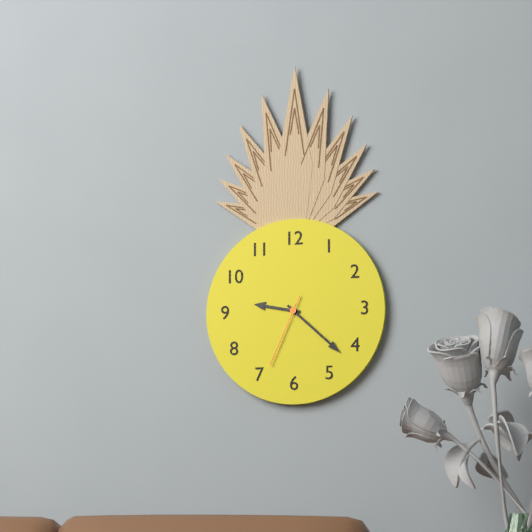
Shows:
9h22m34s
